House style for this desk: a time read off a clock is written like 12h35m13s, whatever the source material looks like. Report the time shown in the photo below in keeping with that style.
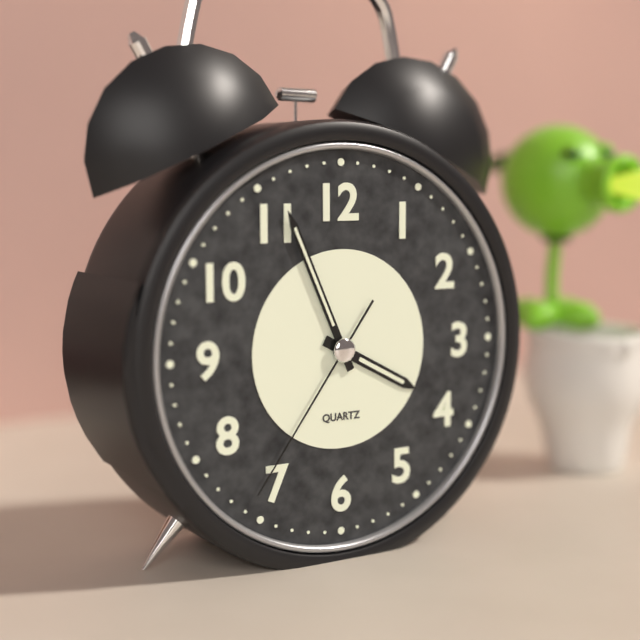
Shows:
3h56m36s
